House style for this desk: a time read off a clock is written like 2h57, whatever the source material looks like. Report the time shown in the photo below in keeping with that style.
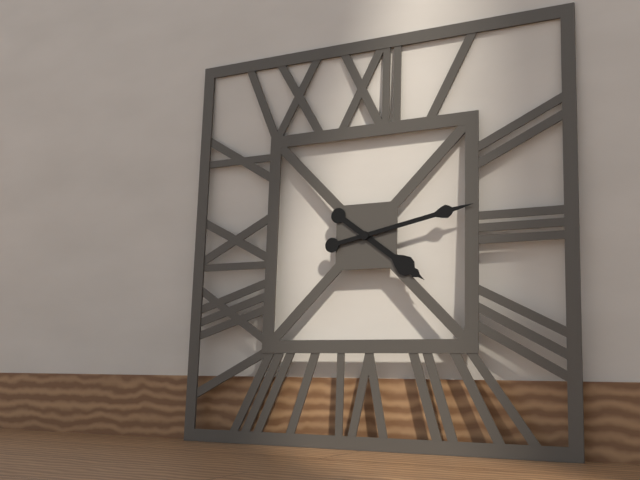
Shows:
4h13
